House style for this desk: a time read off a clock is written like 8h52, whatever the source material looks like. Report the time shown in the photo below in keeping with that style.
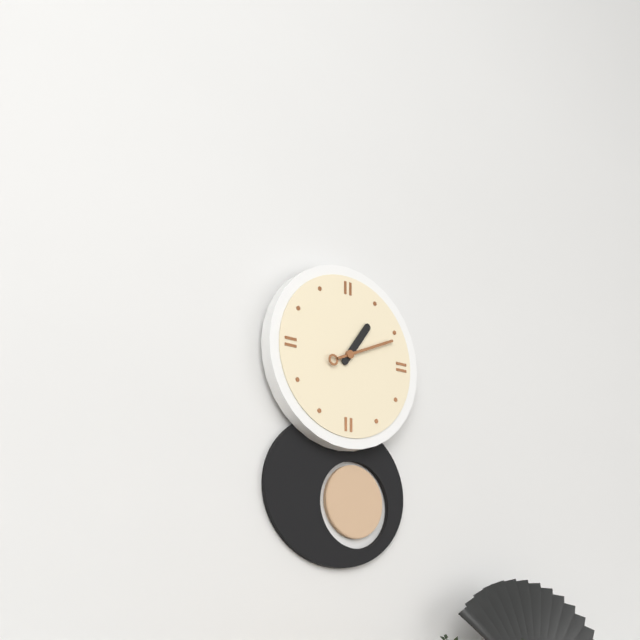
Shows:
1h11
